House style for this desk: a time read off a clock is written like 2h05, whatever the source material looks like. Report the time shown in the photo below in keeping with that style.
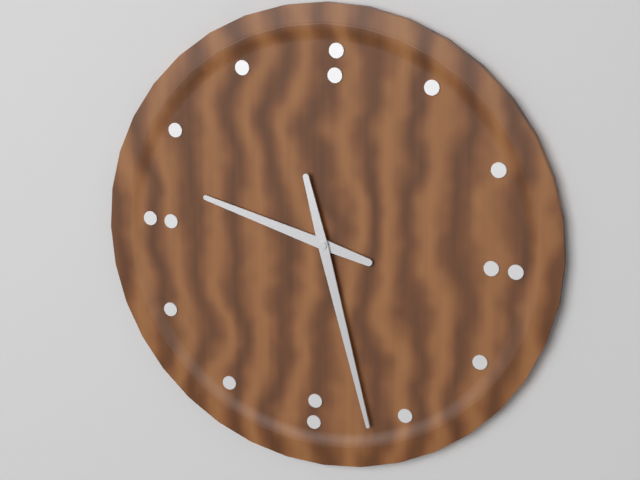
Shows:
9h27
